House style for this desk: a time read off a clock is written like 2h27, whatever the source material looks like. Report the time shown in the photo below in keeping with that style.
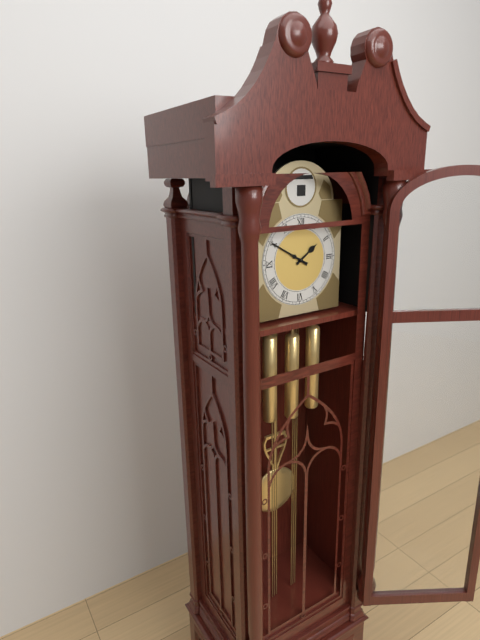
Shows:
1h50
